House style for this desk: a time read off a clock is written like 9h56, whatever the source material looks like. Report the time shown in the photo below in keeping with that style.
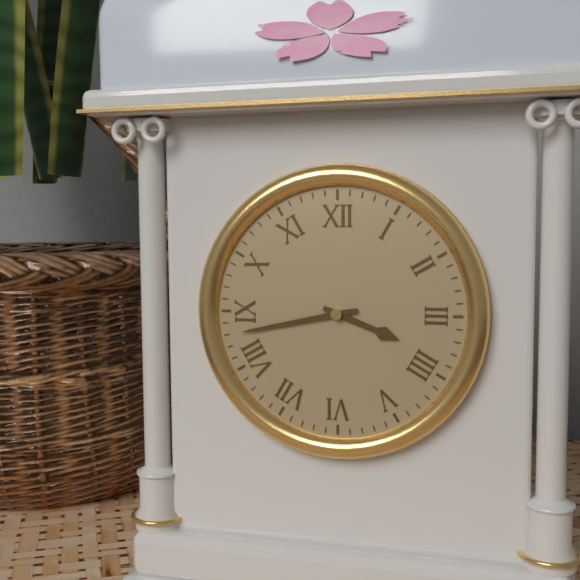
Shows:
3h43
